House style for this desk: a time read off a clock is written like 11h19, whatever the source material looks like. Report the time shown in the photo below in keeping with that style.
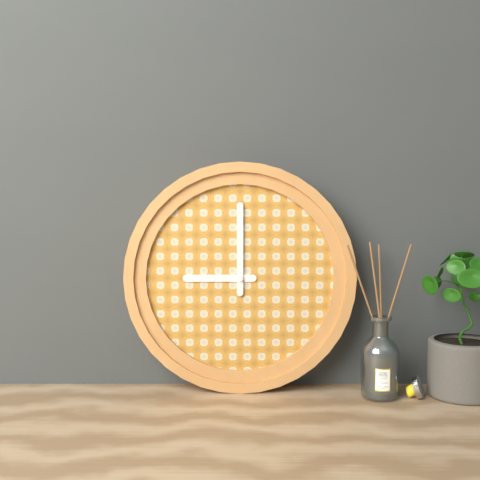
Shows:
9h00
